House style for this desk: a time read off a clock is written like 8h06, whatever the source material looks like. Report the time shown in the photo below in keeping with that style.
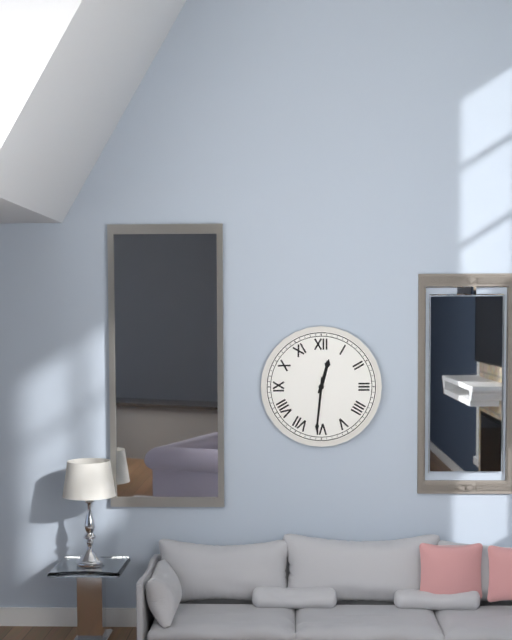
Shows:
12h31
